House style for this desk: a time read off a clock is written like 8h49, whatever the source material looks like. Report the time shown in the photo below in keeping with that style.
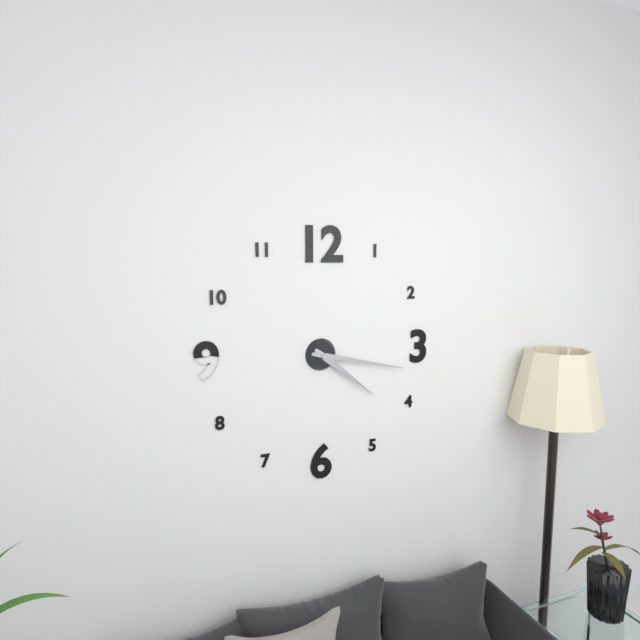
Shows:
4h17
